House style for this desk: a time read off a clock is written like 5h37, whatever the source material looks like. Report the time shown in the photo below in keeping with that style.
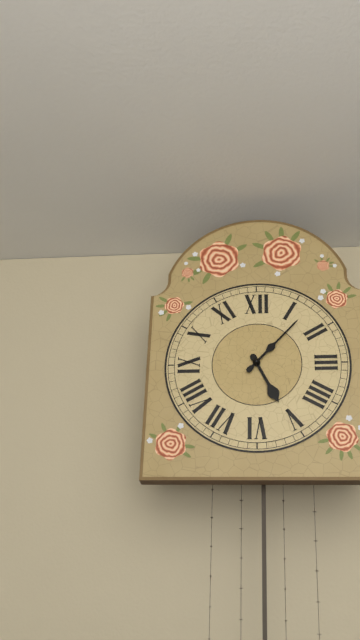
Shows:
5h07
